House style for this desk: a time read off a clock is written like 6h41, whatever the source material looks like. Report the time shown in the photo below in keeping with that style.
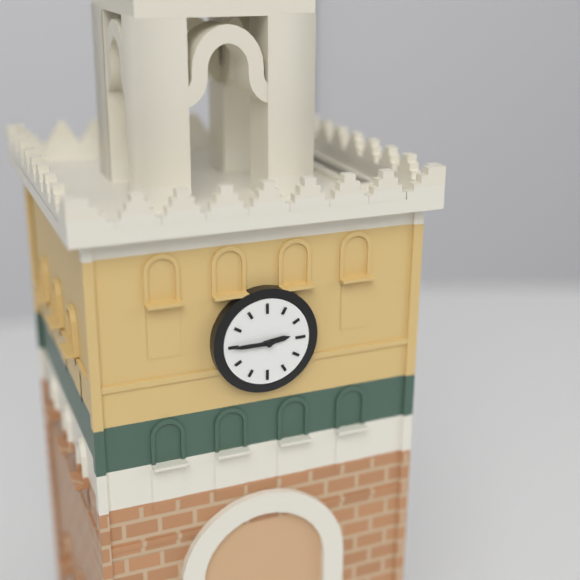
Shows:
2h45
